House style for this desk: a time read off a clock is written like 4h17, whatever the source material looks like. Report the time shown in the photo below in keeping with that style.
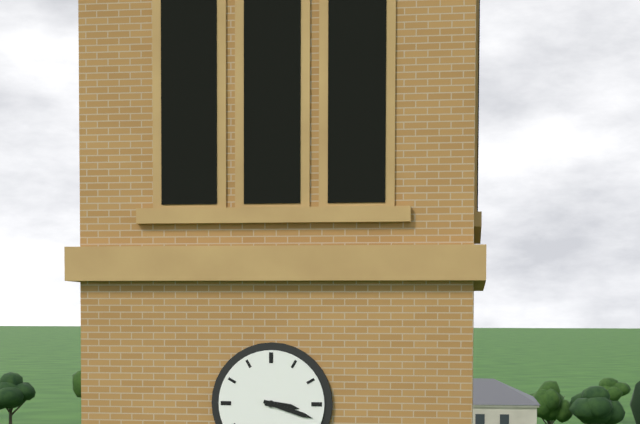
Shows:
3h18
